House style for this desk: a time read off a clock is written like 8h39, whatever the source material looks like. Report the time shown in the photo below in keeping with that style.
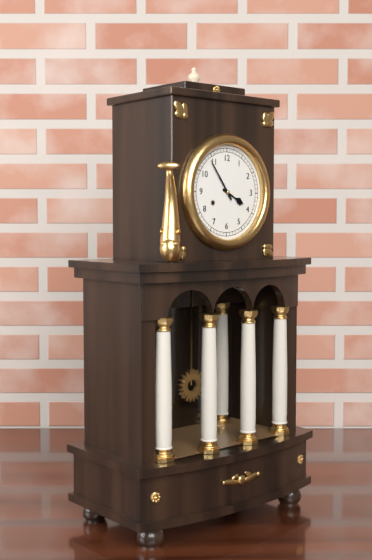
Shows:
3h54
